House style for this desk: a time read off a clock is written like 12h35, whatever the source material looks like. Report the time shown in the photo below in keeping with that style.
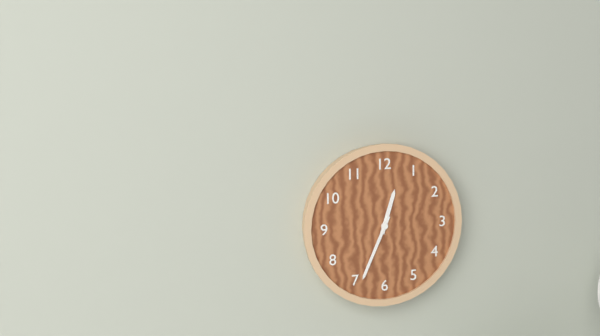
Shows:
12h34
